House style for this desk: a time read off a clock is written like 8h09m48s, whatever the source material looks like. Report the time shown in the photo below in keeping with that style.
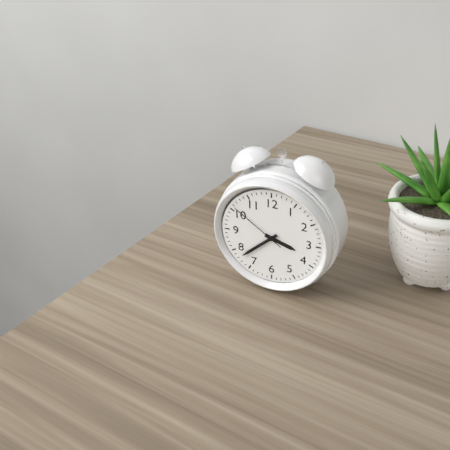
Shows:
3h38m51s
